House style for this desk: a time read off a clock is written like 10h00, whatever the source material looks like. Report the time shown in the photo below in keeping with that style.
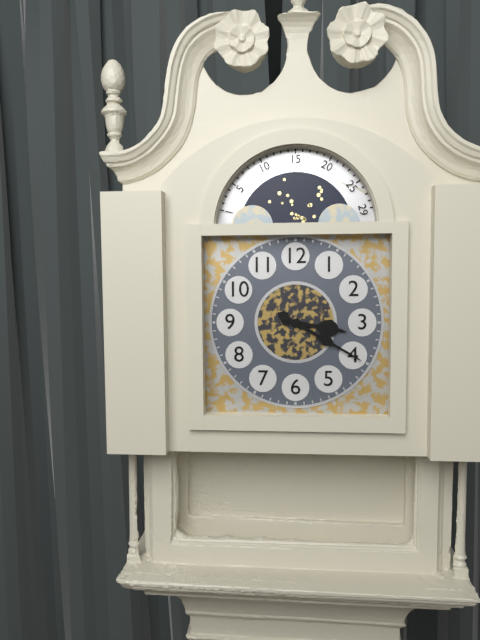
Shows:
3h20
